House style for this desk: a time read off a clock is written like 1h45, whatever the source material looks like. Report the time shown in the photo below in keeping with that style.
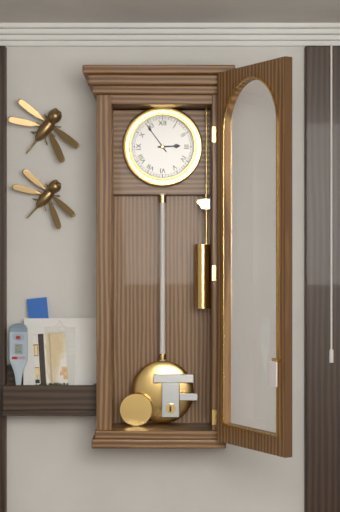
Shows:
2h54
